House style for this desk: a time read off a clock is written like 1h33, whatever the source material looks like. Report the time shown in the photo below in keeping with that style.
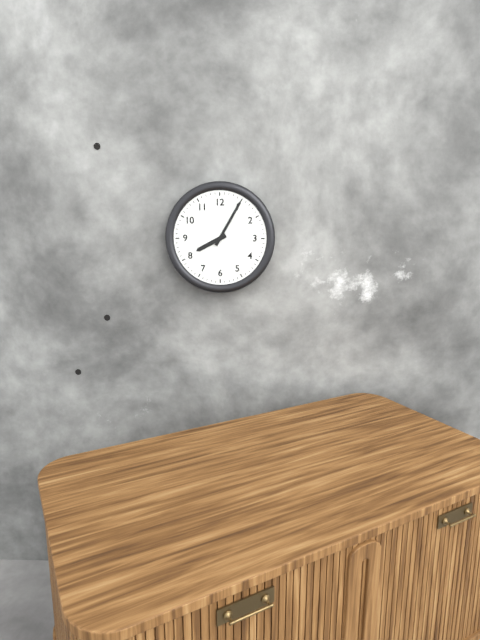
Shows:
8h05
